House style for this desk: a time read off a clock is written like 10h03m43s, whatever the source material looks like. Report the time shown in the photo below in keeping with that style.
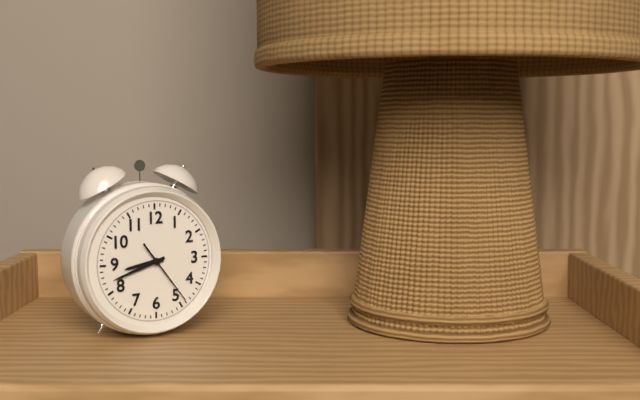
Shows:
8h42m24s
